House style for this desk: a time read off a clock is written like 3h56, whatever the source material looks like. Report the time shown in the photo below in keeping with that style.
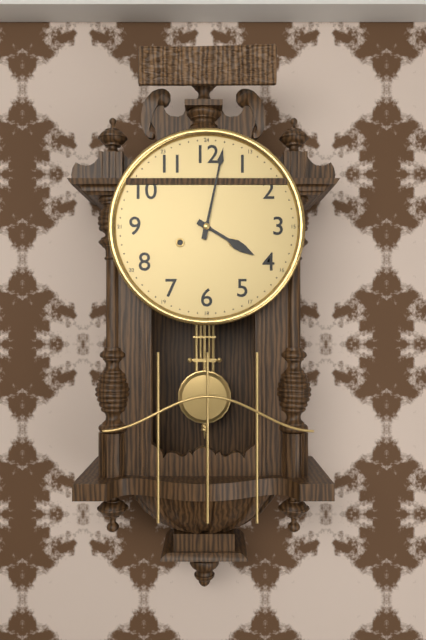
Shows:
4h02
